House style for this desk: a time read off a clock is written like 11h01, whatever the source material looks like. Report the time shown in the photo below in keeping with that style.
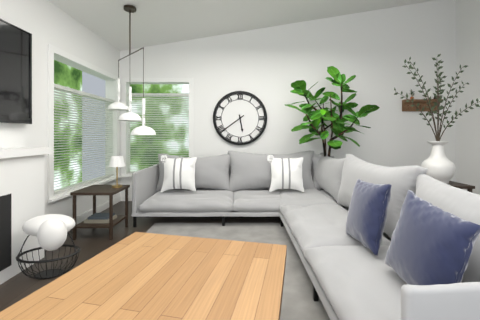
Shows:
5h39
